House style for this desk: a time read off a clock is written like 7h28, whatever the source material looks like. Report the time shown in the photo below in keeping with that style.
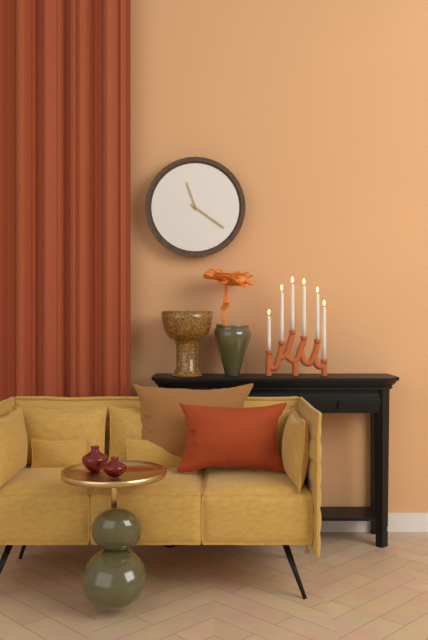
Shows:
11h21
